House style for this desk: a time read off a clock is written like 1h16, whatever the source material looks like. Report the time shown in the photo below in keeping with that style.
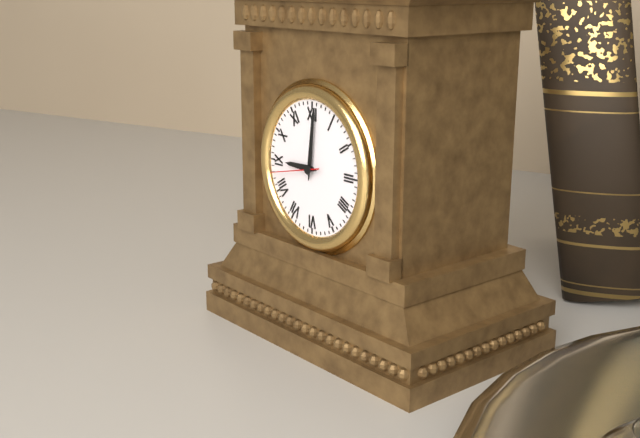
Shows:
9h01
